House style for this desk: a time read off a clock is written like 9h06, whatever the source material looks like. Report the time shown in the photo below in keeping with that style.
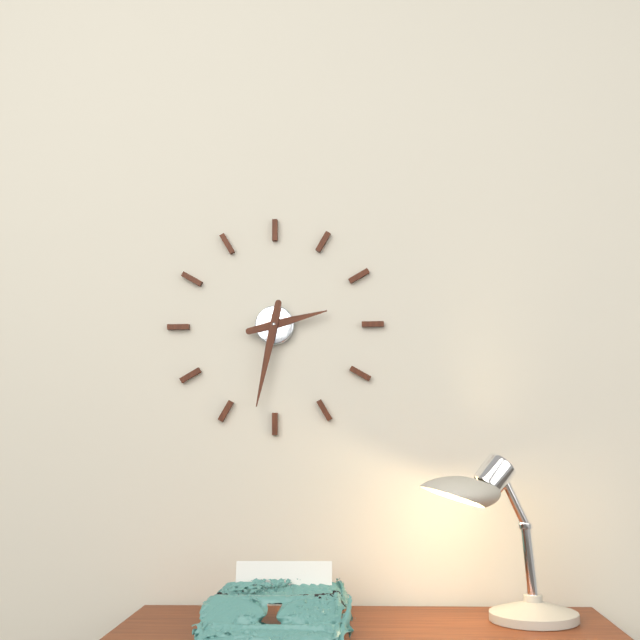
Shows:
2h32
